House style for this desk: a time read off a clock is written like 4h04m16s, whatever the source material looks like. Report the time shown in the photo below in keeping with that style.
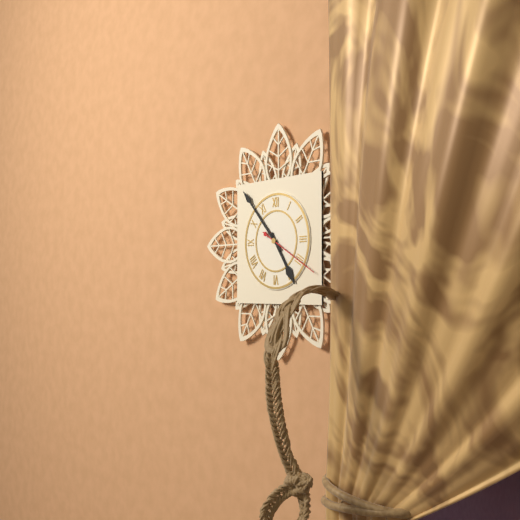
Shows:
4h53m20s
